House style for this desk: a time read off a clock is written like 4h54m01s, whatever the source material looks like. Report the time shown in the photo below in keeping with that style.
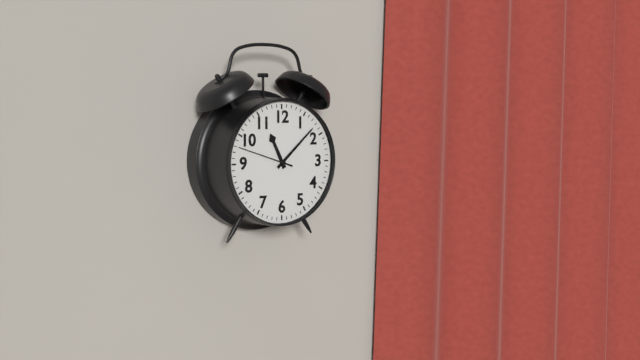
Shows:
11h08m48s
